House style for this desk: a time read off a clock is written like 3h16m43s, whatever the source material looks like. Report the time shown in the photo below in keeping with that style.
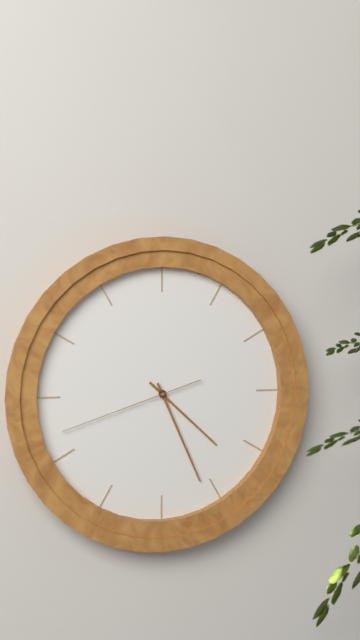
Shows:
4h26m42s
